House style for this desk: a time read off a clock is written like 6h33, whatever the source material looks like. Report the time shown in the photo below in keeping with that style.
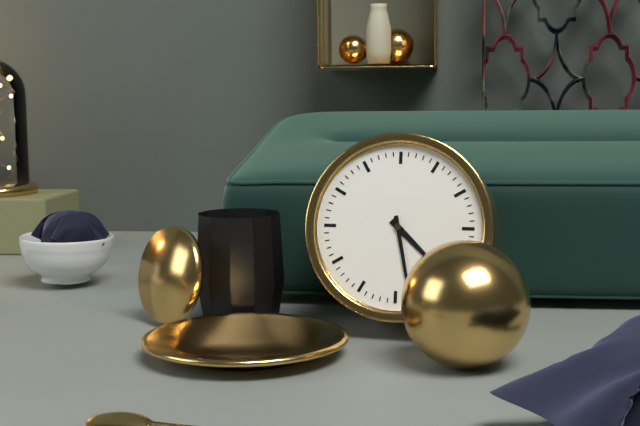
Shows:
4h28
